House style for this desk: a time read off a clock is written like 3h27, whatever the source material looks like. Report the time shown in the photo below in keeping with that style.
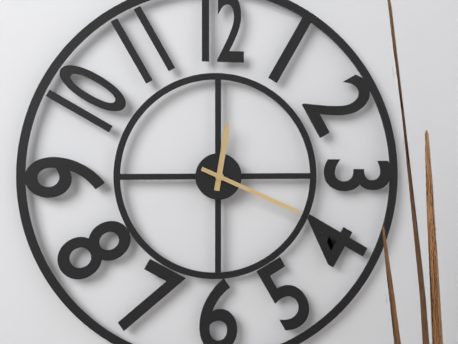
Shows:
12h19
